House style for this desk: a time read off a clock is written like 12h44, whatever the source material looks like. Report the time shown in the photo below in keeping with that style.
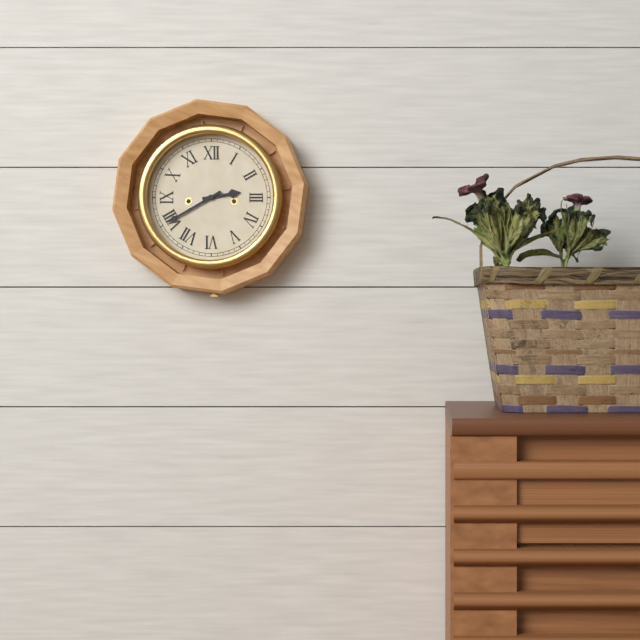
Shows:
2h40
